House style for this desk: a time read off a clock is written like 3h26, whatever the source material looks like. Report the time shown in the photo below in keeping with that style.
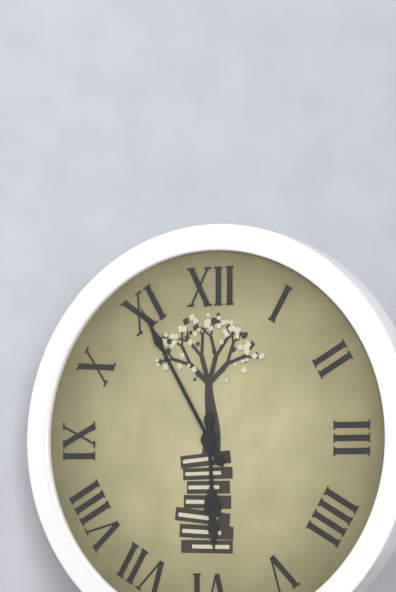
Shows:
5h55
